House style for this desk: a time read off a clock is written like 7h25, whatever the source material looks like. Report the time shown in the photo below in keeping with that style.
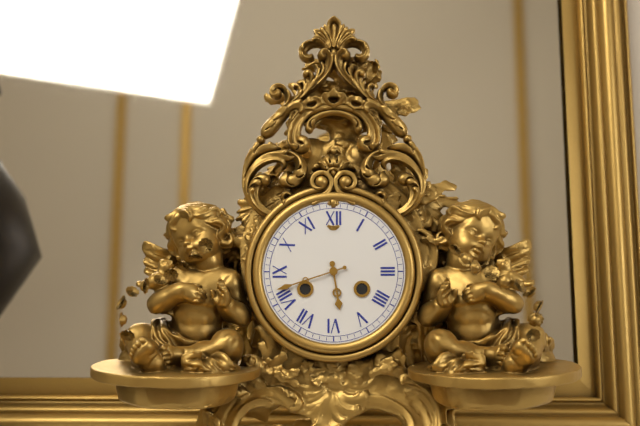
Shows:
5h42
